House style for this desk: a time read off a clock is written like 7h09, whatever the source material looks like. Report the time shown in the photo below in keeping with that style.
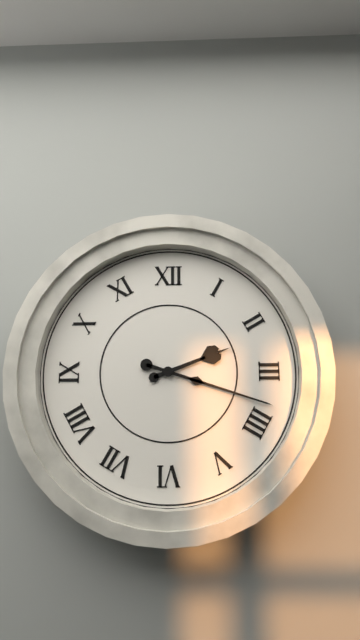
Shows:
2h18
